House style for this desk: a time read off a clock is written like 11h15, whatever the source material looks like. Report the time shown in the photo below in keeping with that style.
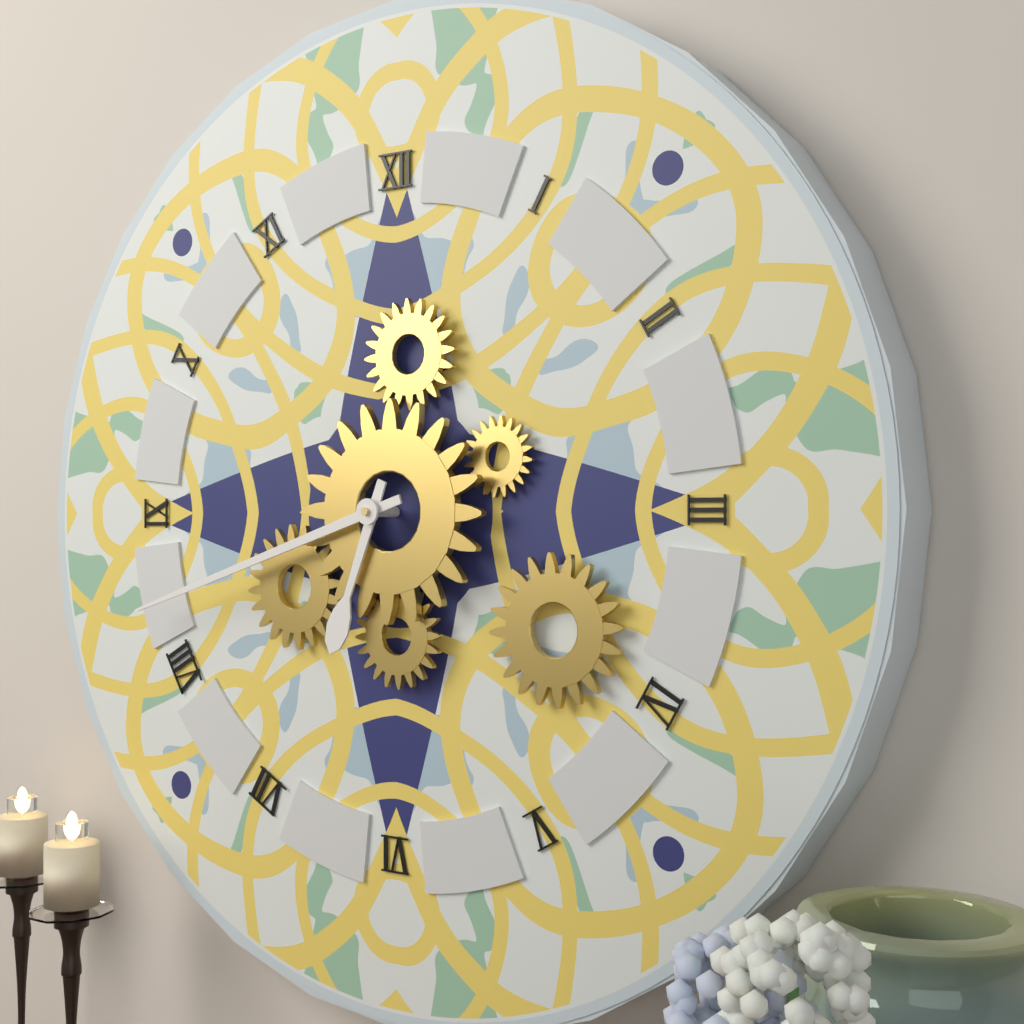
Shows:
6h42
